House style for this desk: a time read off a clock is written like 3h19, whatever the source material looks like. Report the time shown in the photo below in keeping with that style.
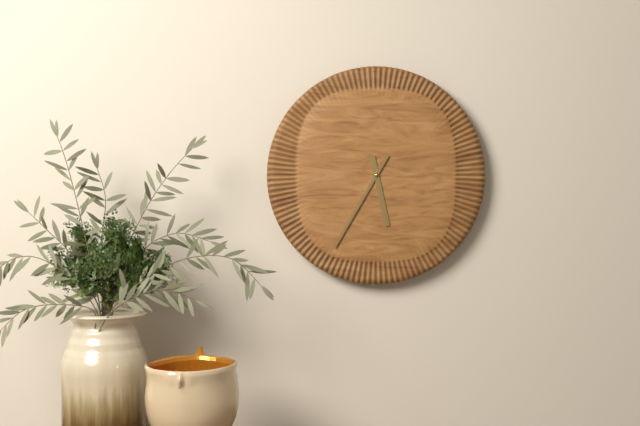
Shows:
5h35
